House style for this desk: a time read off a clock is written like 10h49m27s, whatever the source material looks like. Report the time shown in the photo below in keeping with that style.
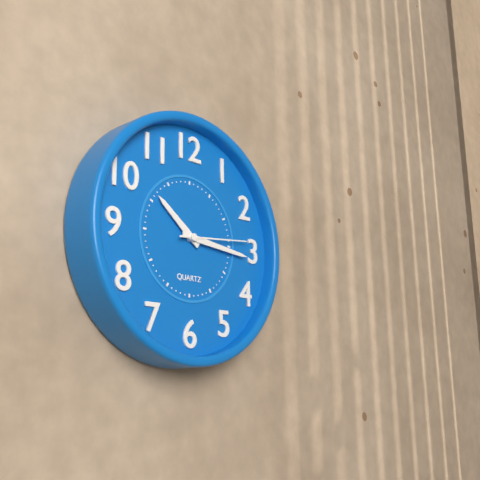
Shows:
10h16m14s
